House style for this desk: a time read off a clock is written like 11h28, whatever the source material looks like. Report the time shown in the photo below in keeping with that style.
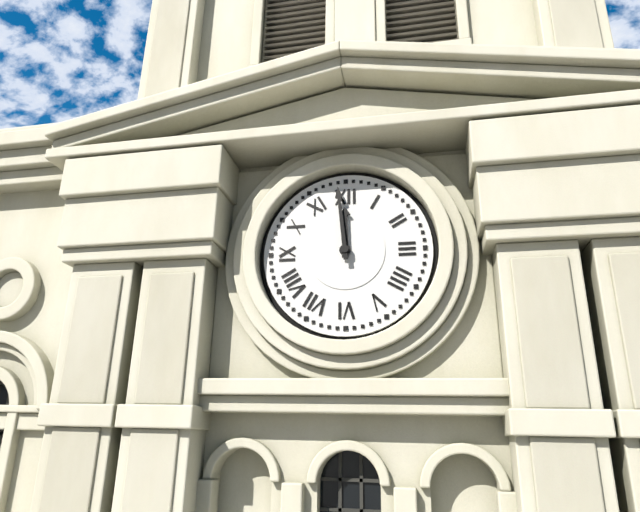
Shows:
11h59
